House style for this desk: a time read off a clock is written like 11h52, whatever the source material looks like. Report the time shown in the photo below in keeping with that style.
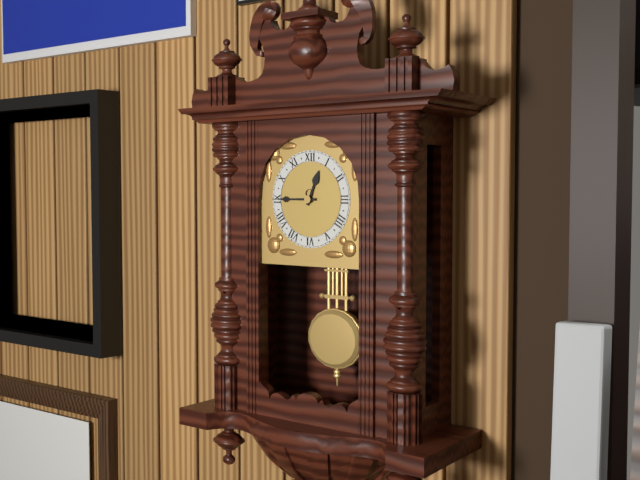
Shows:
12h45
